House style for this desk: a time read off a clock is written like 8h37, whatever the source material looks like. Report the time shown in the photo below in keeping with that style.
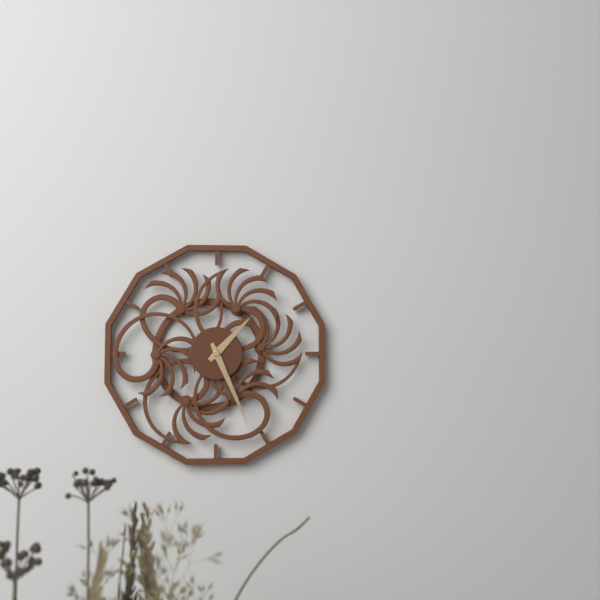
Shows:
1h26
